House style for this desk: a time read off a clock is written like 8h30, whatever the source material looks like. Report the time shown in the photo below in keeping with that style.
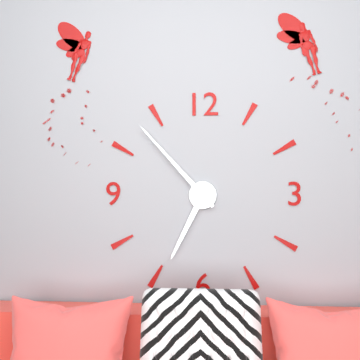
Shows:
6h53
